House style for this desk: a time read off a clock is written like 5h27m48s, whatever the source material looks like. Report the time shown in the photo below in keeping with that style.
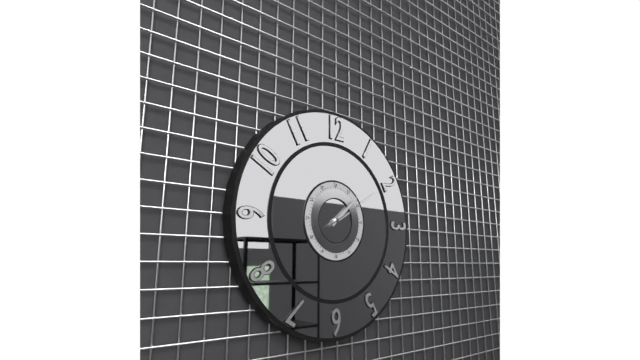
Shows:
2h08m10s
